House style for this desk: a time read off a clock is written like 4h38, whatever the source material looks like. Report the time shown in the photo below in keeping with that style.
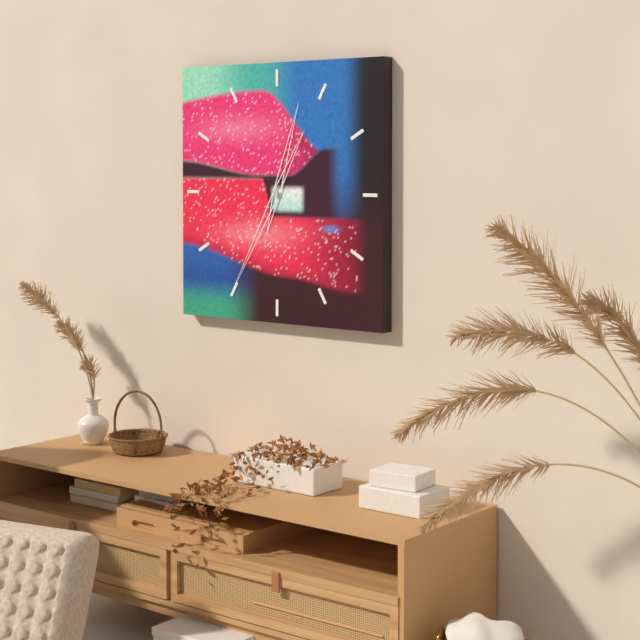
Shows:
12h35
